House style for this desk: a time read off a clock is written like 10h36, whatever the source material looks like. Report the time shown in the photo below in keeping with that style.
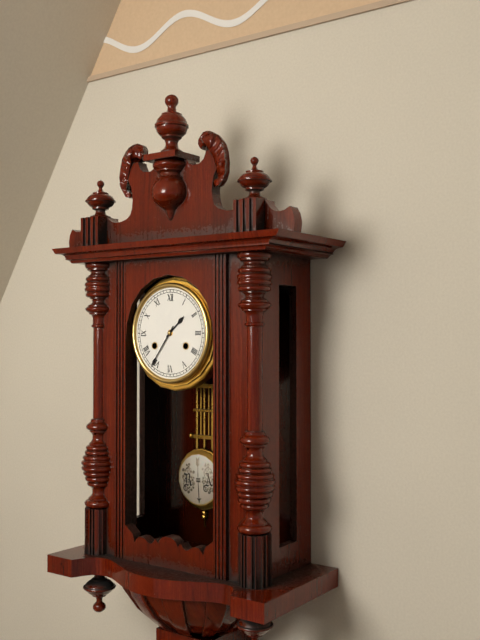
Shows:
1h36
